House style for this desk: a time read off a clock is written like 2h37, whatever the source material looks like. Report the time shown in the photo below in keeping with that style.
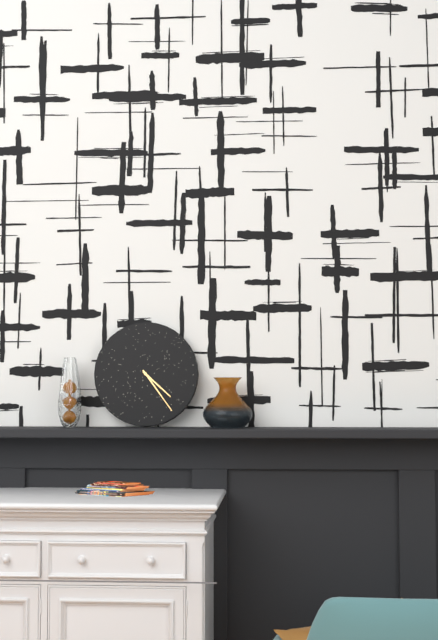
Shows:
4h24
